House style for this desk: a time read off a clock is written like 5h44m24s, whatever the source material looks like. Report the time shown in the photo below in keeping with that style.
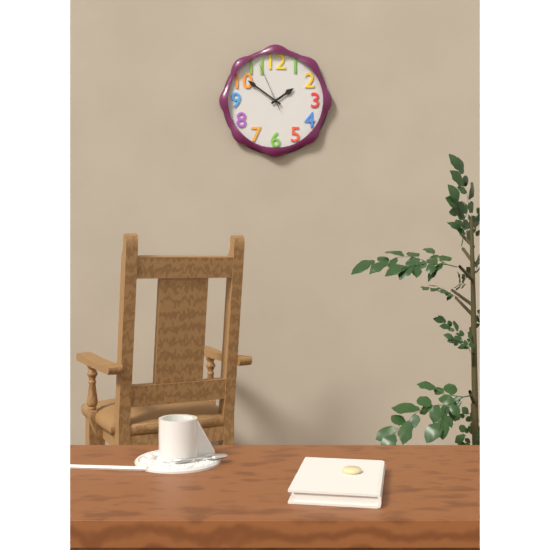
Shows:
1h51m56s
